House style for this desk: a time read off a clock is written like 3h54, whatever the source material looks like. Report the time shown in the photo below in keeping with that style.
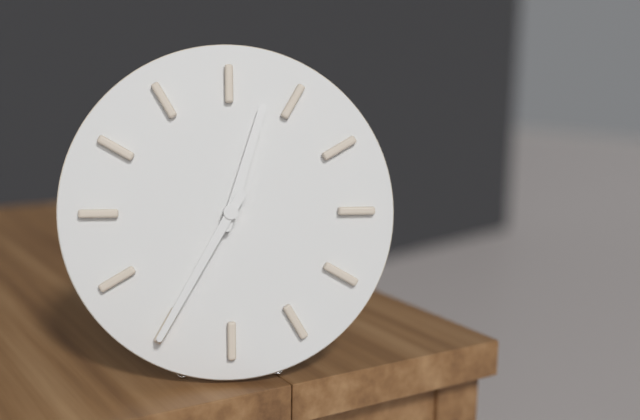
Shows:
12h35
